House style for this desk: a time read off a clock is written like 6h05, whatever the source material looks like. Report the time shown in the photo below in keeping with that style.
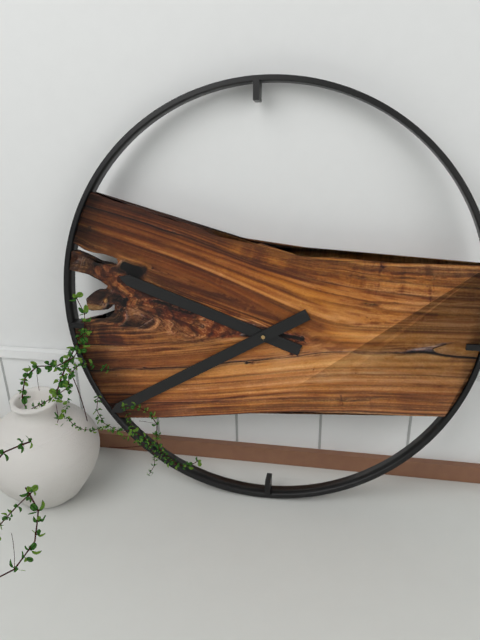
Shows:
9h40
